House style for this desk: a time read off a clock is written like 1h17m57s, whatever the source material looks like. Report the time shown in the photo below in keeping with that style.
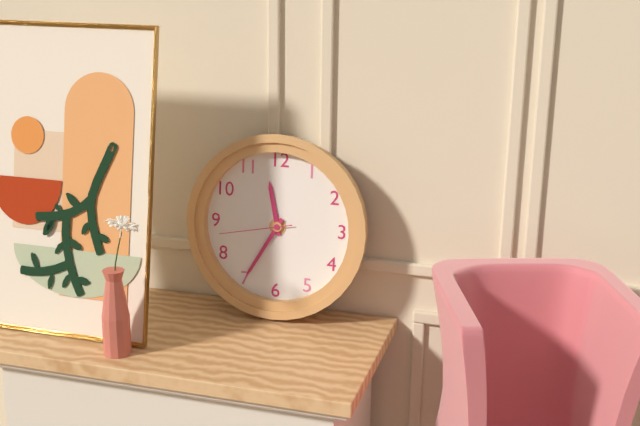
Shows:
11h35m43s
